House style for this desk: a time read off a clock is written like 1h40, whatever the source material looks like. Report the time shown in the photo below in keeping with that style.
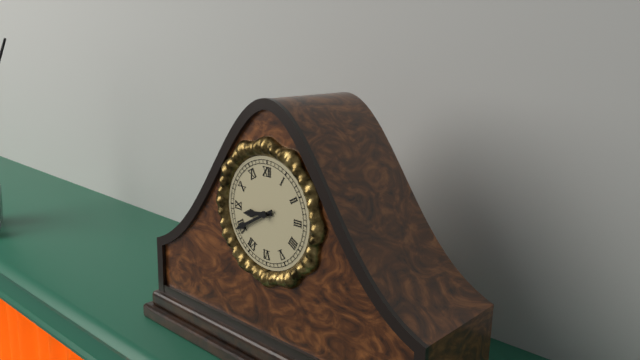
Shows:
8h40
